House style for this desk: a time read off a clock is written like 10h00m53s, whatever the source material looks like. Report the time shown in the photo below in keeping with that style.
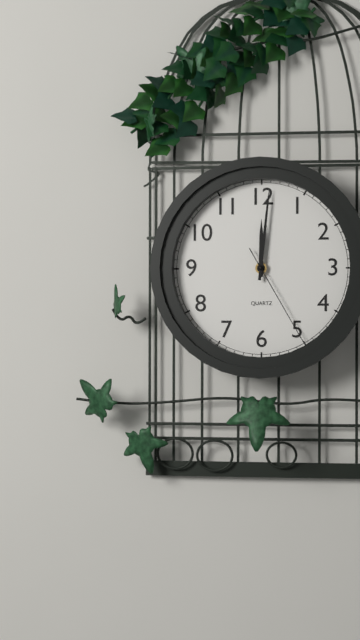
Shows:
12h01m25s
